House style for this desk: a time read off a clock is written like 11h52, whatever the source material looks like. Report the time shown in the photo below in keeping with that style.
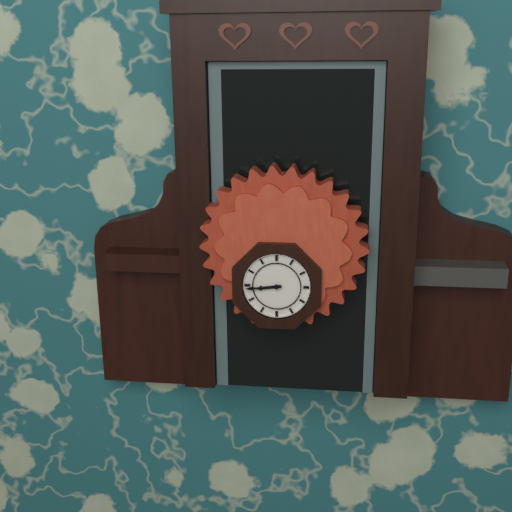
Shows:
8h44
